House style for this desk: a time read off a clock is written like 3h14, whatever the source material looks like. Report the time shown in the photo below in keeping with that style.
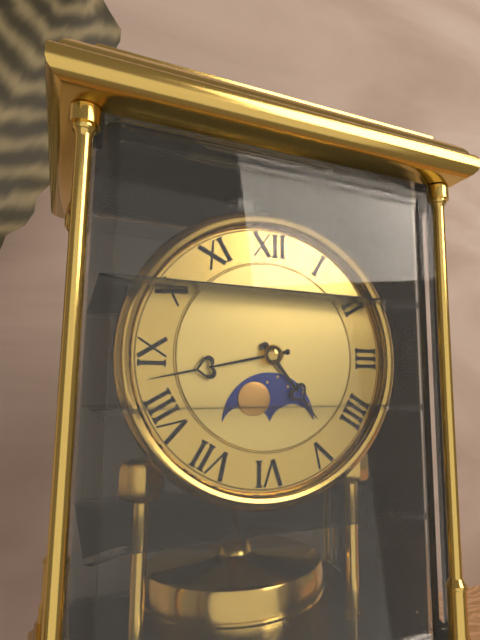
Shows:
4h43
